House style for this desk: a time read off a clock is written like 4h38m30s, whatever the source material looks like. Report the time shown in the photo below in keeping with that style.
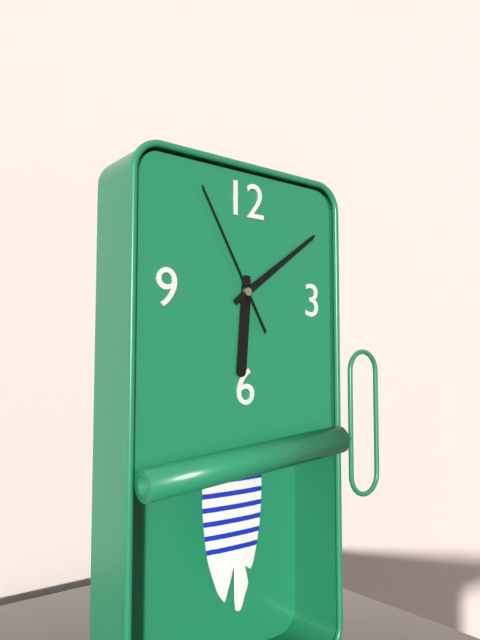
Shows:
6h09m55s
